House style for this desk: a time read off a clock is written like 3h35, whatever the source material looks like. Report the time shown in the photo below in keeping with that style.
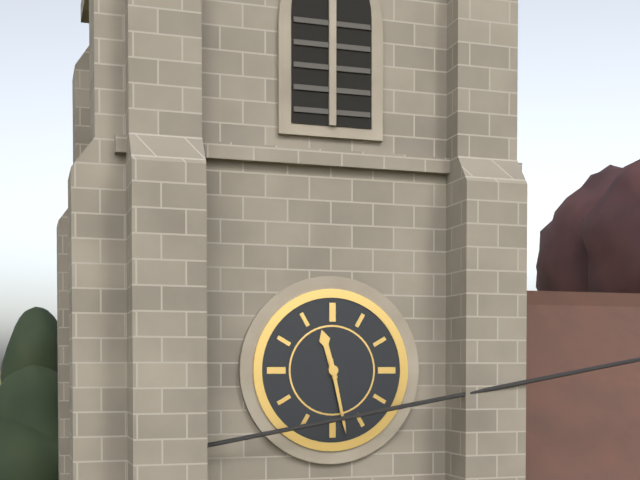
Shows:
11h28
